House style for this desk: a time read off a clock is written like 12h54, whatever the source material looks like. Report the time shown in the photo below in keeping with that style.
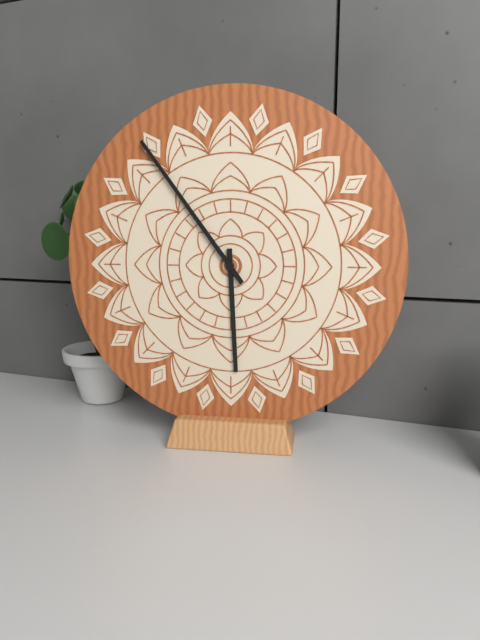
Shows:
5h54
